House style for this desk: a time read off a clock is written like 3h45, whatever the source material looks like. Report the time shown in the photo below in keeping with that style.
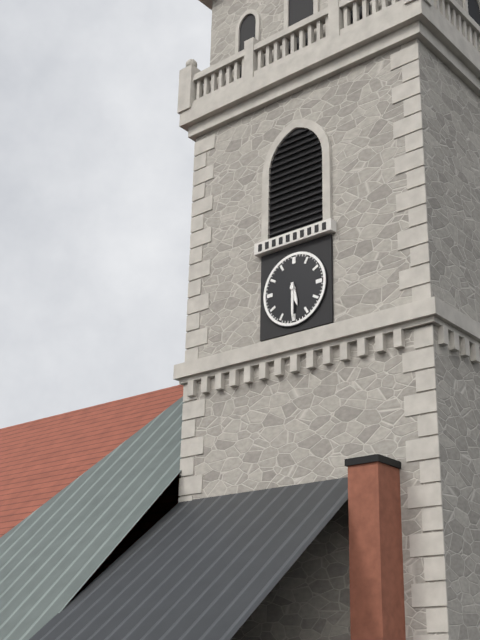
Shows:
5h30
